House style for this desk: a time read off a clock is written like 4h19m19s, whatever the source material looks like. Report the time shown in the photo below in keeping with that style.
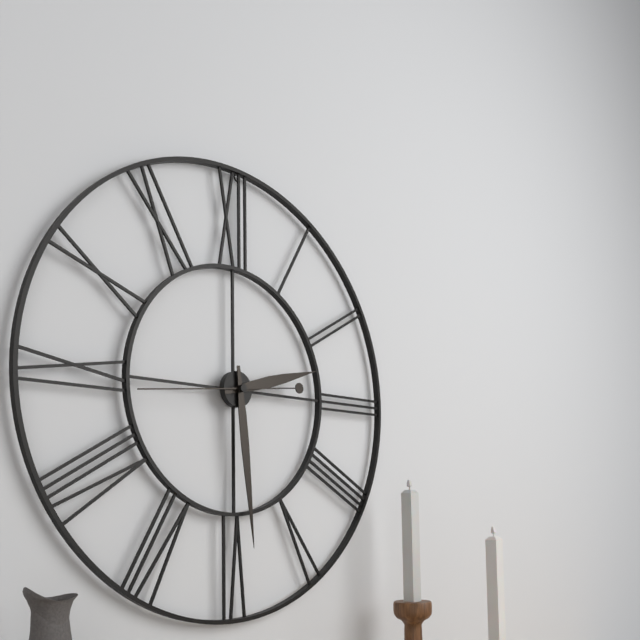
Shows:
2h29m44s
